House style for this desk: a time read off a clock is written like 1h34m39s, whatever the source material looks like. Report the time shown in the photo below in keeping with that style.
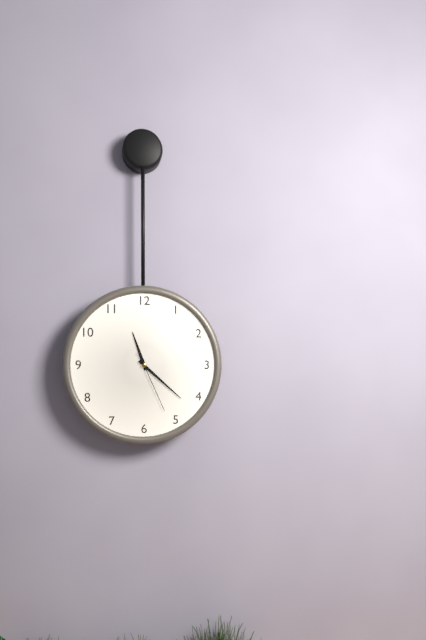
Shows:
11h22m26s
